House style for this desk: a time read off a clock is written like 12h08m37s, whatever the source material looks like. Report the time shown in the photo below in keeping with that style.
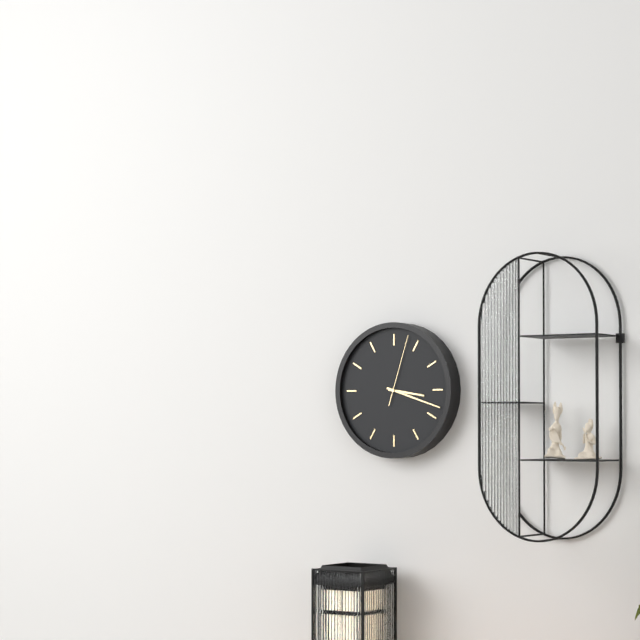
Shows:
3h18m03s
